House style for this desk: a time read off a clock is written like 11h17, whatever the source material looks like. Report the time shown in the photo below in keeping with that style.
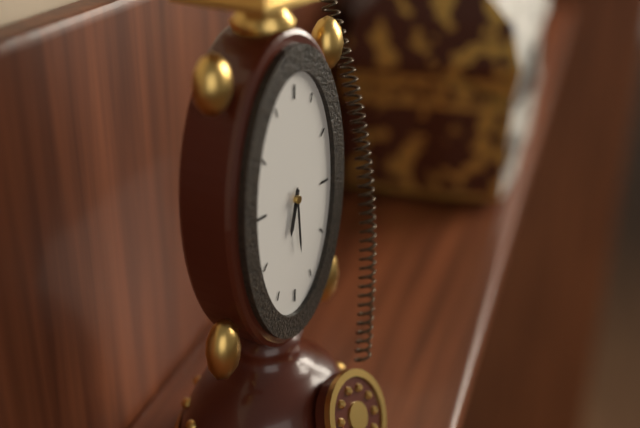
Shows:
6h29
